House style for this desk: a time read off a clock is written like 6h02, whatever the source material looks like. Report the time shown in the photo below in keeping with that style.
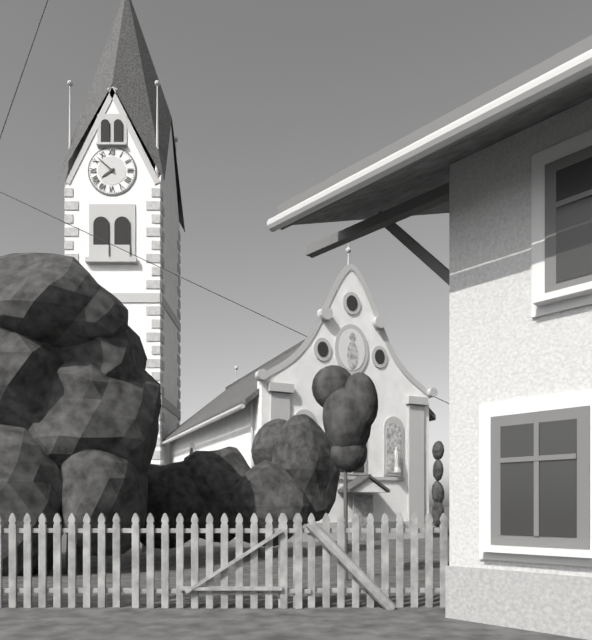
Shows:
7h52
